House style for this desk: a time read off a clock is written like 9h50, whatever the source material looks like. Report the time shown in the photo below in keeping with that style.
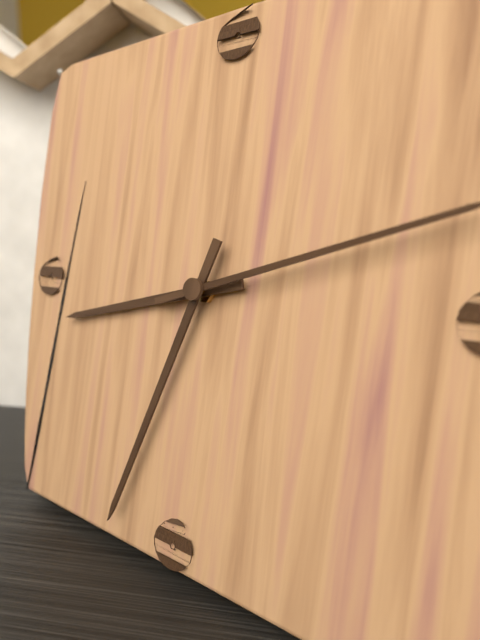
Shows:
8h33
